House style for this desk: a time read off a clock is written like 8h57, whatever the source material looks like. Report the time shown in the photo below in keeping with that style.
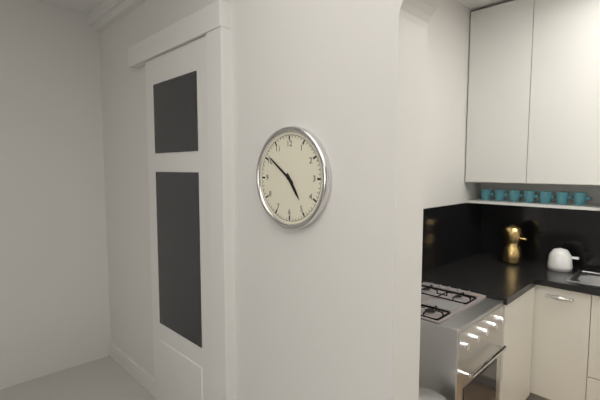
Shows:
4h51
